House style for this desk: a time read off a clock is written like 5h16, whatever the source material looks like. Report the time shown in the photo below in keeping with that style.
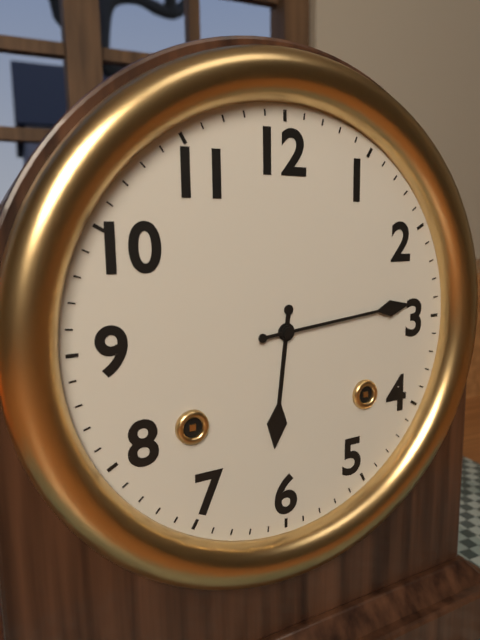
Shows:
6h14
